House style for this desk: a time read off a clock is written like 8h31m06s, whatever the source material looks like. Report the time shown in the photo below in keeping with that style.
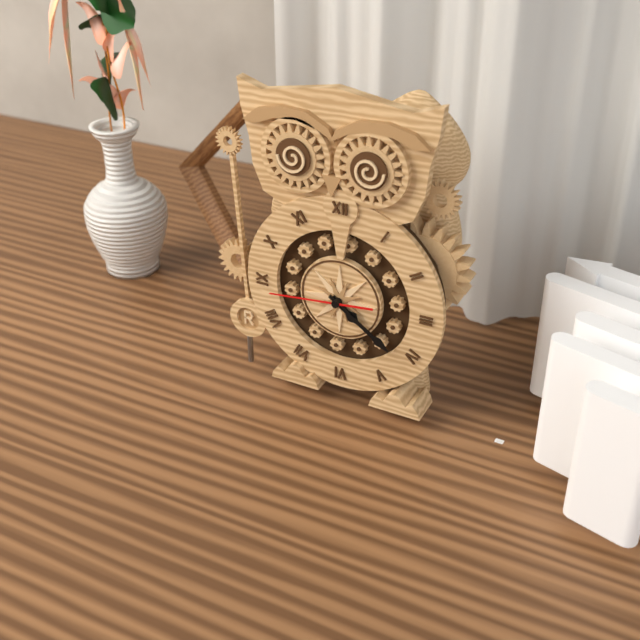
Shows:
4h21m44s
